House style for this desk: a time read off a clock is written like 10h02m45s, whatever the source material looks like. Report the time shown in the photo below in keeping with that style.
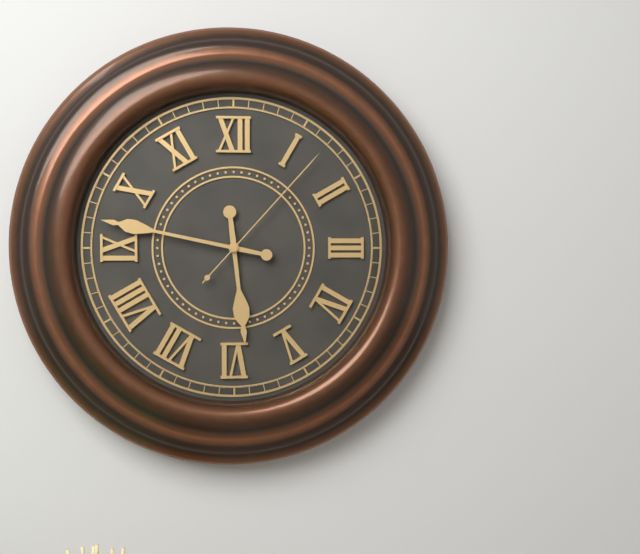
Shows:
5h47m07s
